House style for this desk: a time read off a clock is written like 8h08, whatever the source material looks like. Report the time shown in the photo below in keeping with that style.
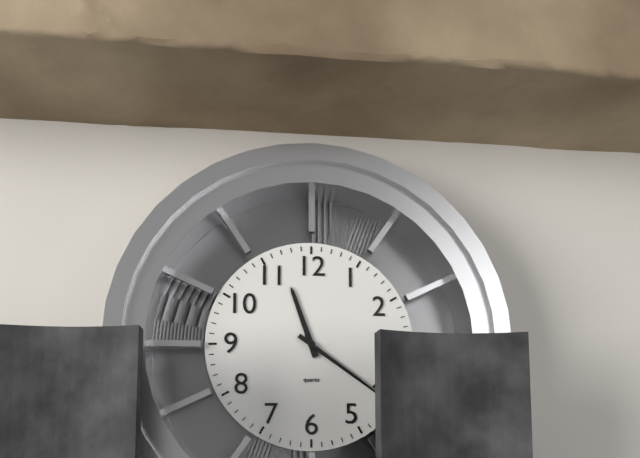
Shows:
11h21
